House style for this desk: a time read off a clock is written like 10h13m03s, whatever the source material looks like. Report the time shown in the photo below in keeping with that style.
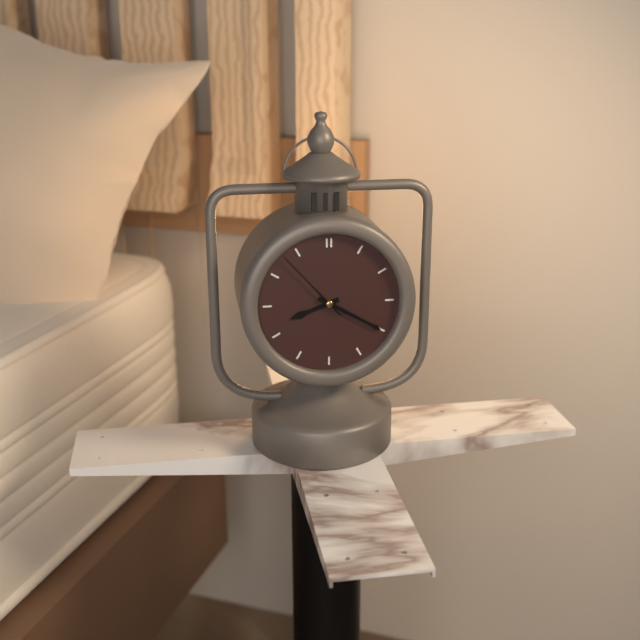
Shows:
8h20m53s
